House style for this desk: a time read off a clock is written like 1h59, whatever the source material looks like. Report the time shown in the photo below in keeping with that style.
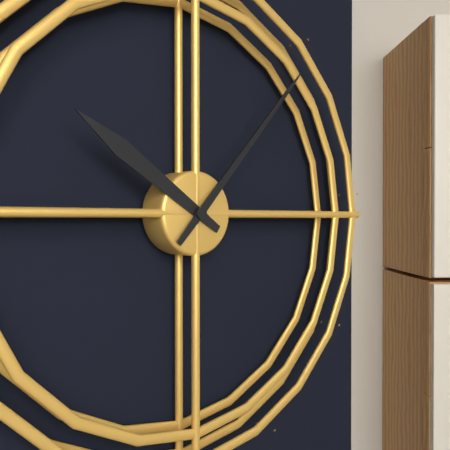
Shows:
10h07
